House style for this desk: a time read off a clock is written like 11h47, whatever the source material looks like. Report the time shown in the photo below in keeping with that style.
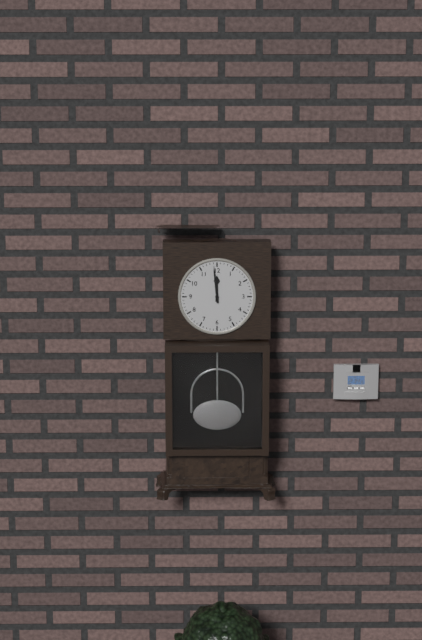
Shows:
11h59
